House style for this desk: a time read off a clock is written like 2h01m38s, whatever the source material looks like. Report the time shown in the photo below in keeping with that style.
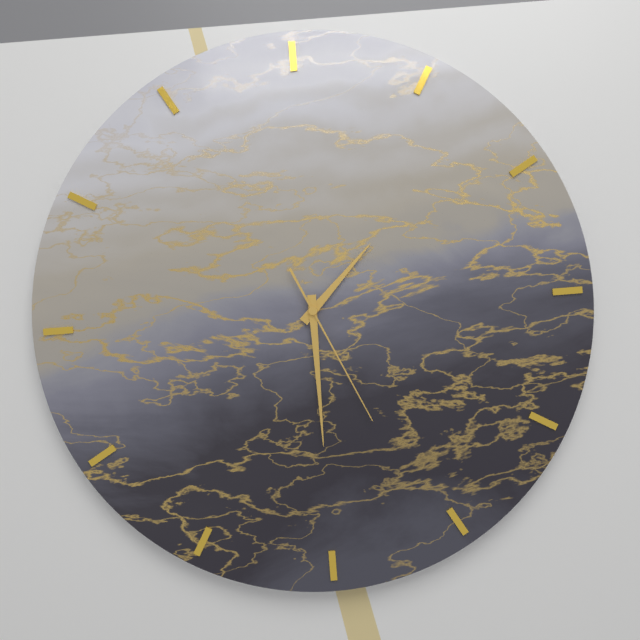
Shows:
1h30m26s
